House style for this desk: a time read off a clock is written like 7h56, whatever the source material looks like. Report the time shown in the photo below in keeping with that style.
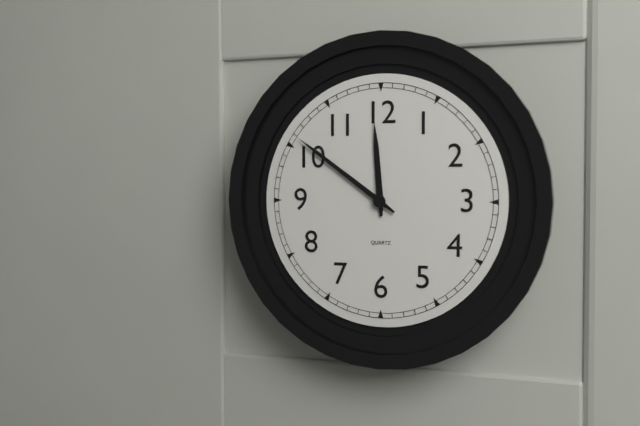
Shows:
11h51
